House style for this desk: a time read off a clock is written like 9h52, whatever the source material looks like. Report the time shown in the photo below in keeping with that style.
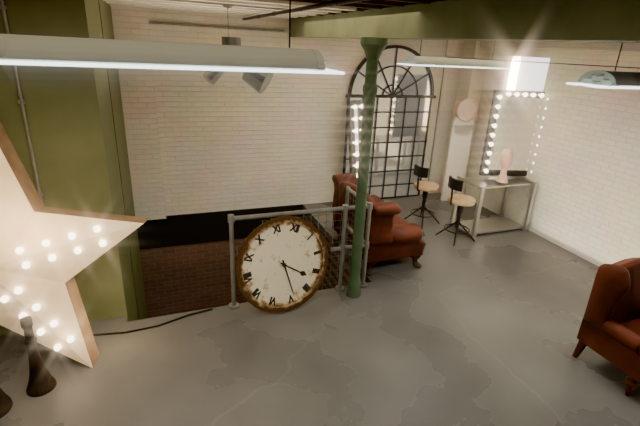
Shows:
3h24
